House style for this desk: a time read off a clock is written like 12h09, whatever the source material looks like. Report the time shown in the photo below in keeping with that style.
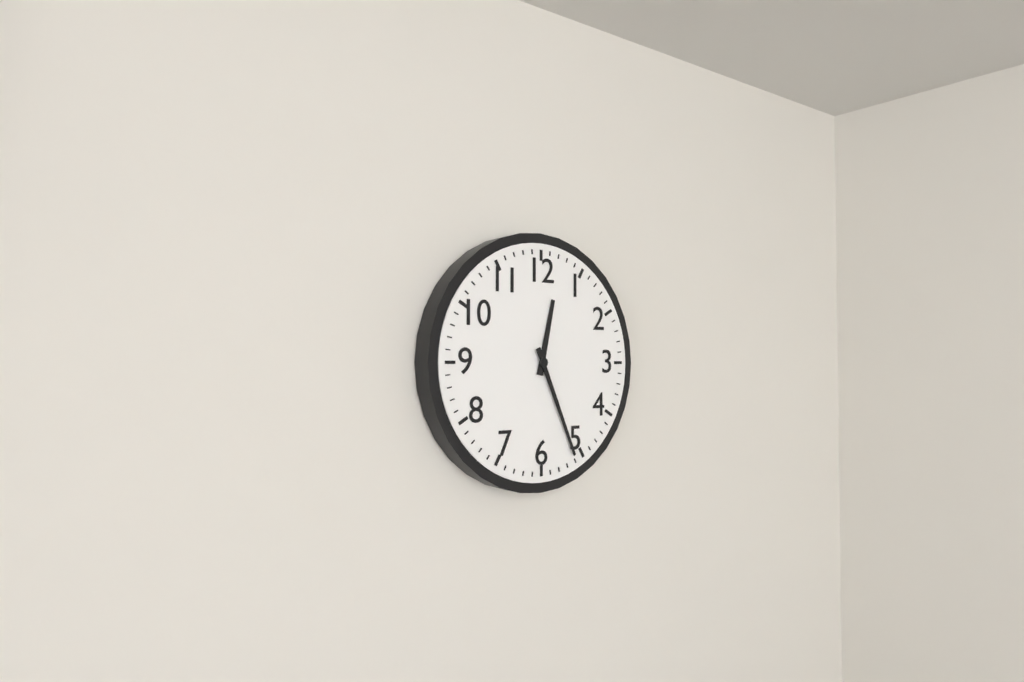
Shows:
12h26
